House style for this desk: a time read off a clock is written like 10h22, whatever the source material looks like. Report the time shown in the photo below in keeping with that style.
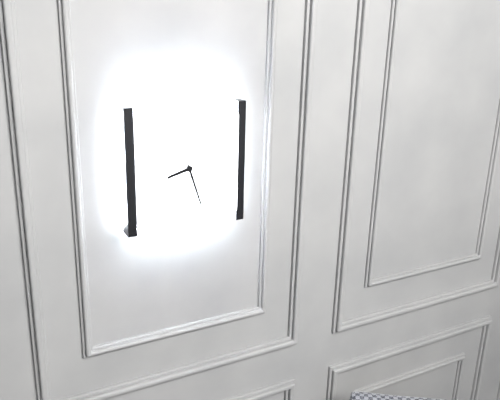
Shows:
8h27
